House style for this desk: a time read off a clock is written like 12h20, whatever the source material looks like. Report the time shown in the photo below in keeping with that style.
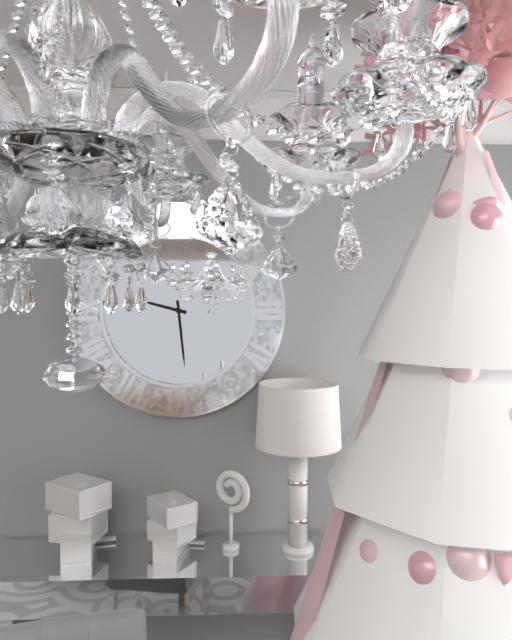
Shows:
9h29
